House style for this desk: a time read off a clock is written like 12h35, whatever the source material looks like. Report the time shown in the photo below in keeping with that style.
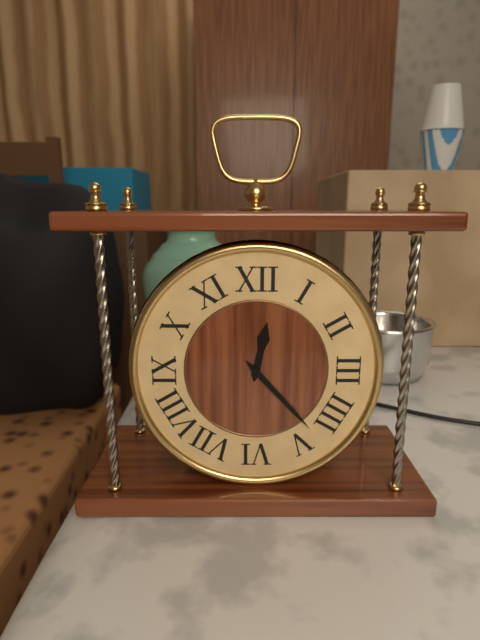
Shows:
12h23
